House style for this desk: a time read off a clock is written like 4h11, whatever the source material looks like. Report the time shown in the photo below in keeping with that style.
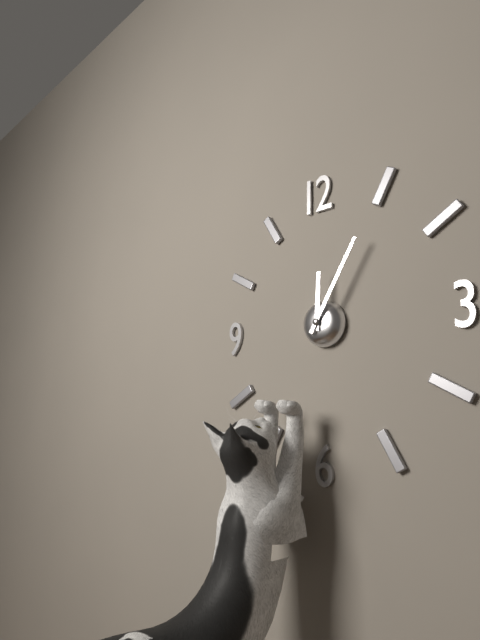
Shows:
12h05
